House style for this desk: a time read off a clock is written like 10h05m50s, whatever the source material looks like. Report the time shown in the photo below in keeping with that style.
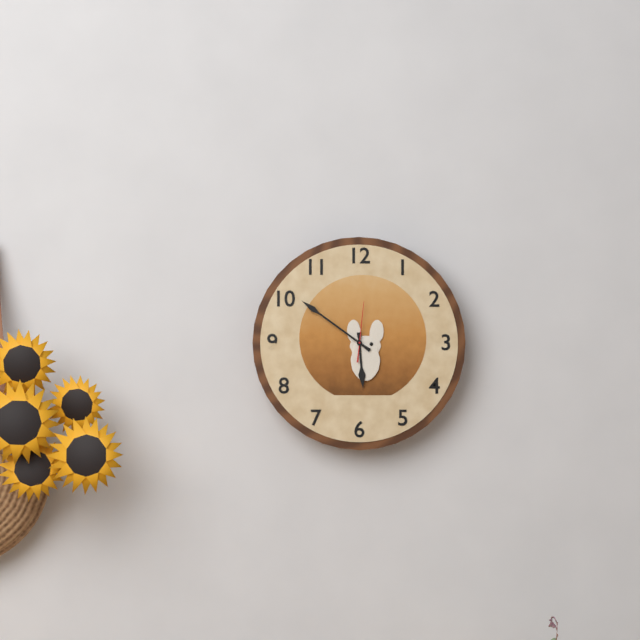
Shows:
5h51m01s
